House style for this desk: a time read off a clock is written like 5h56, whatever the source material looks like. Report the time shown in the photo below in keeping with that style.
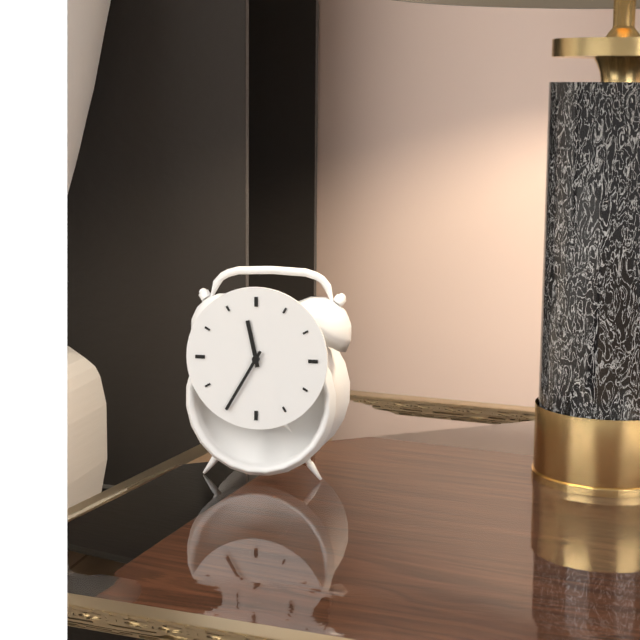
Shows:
11h35
